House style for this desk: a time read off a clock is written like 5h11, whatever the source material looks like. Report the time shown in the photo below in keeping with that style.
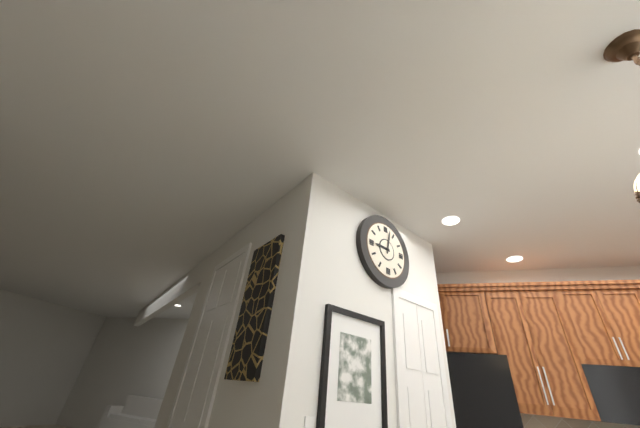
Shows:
9h02
